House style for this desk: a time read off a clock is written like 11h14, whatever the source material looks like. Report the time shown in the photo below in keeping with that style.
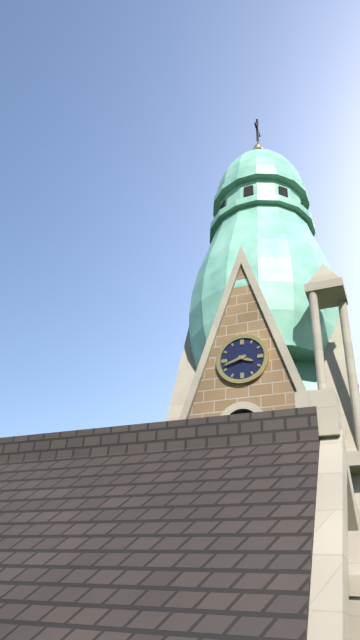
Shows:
3h42
